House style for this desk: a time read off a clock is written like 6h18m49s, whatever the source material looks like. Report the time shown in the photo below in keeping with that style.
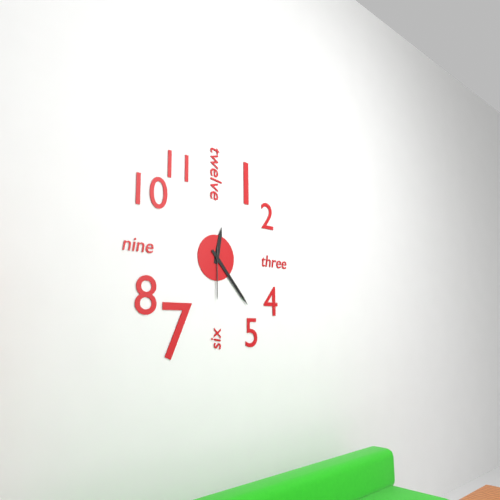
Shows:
12h23m30s
